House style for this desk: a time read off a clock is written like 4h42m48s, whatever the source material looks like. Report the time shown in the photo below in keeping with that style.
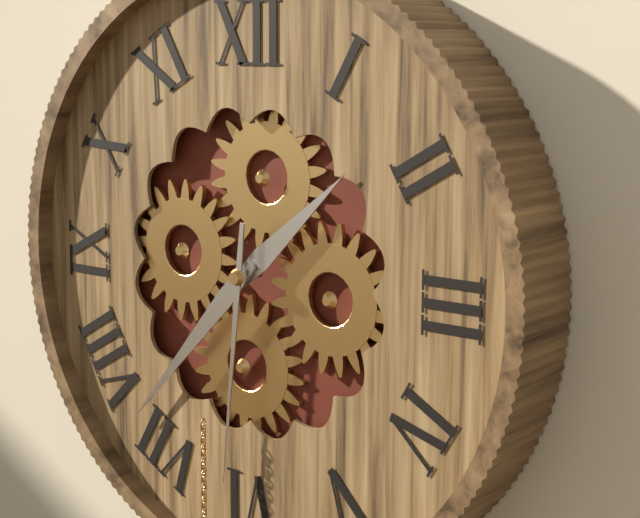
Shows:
1h37m31s
